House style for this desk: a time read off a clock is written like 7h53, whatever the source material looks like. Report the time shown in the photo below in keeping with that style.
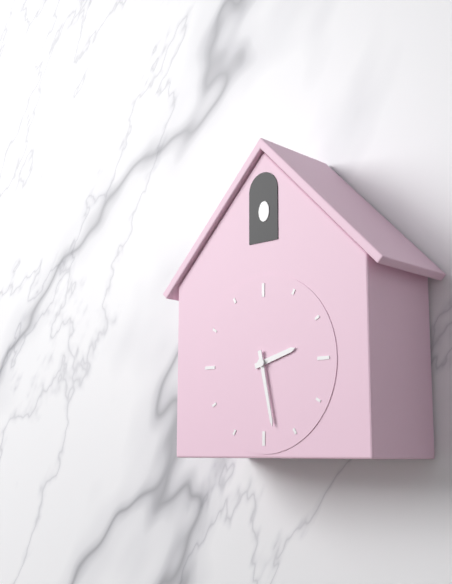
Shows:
2h28
